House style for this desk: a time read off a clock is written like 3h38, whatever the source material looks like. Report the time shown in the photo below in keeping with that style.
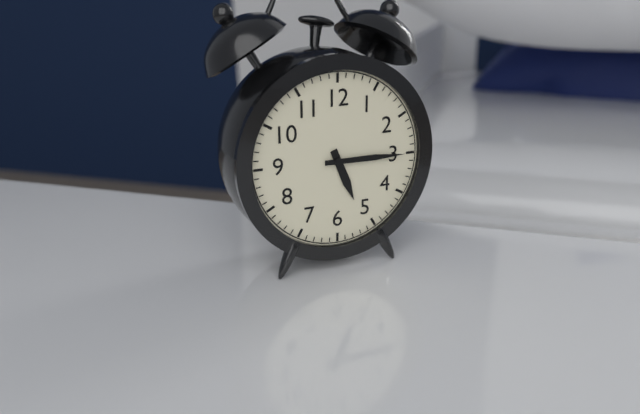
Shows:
5h15
